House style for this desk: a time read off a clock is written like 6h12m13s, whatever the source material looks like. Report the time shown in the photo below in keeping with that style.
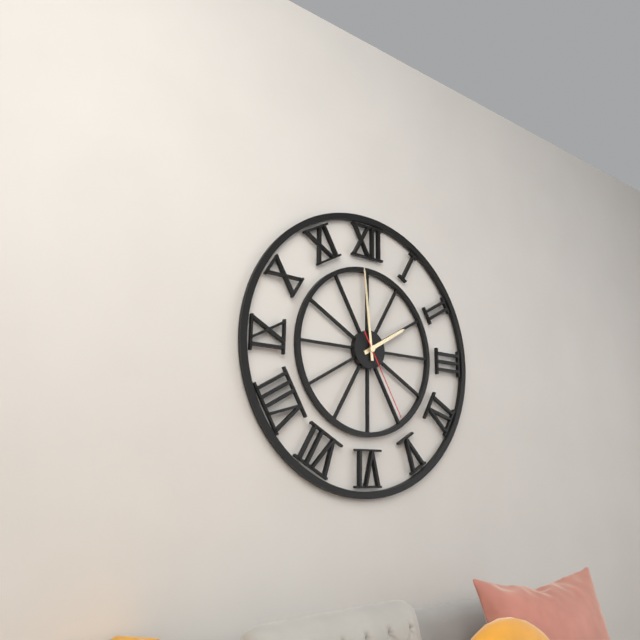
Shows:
1h59m25s
